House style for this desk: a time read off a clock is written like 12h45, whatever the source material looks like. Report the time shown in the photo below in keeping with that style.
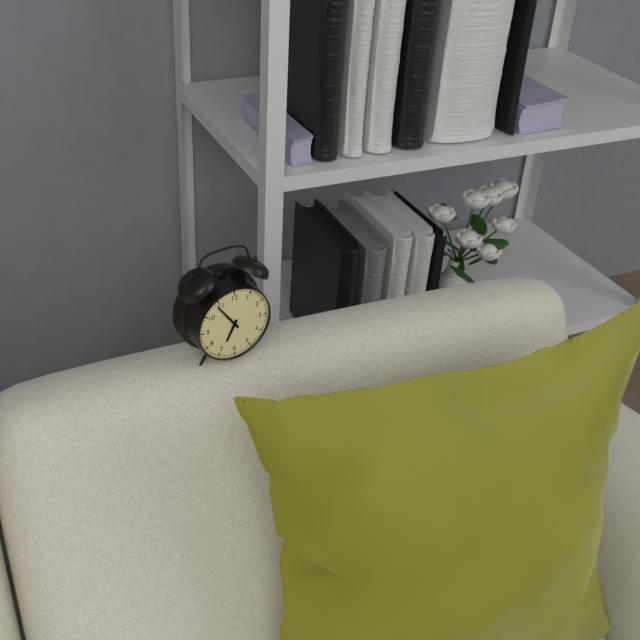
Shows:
6h54
